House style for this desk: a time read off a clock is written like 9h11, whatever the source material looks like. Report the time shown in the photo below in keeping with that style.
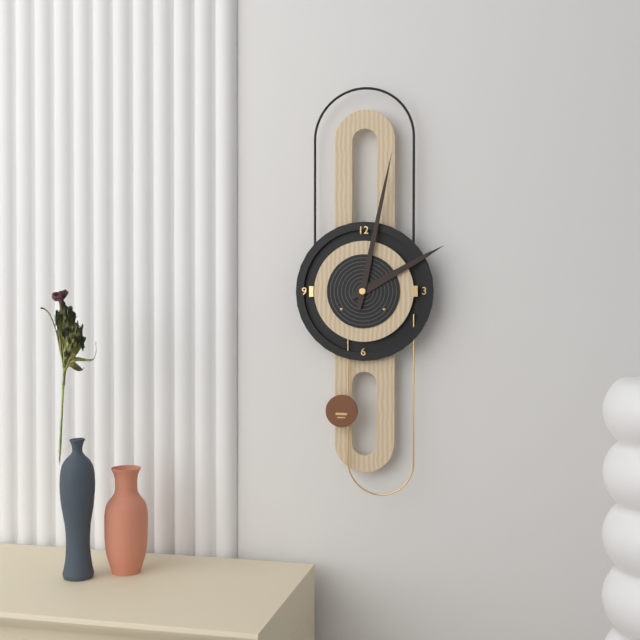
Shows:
2h02
